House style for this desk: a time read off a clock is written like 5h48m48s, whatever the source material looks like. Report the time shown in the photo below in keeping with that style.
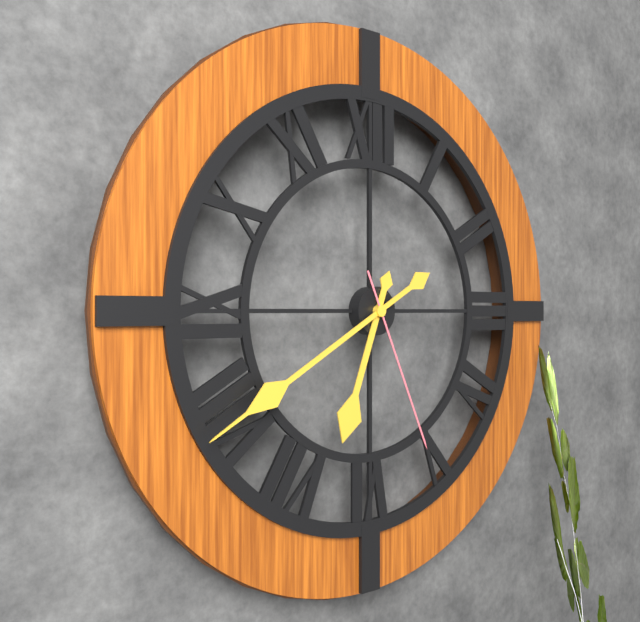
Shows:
6h40m26s
